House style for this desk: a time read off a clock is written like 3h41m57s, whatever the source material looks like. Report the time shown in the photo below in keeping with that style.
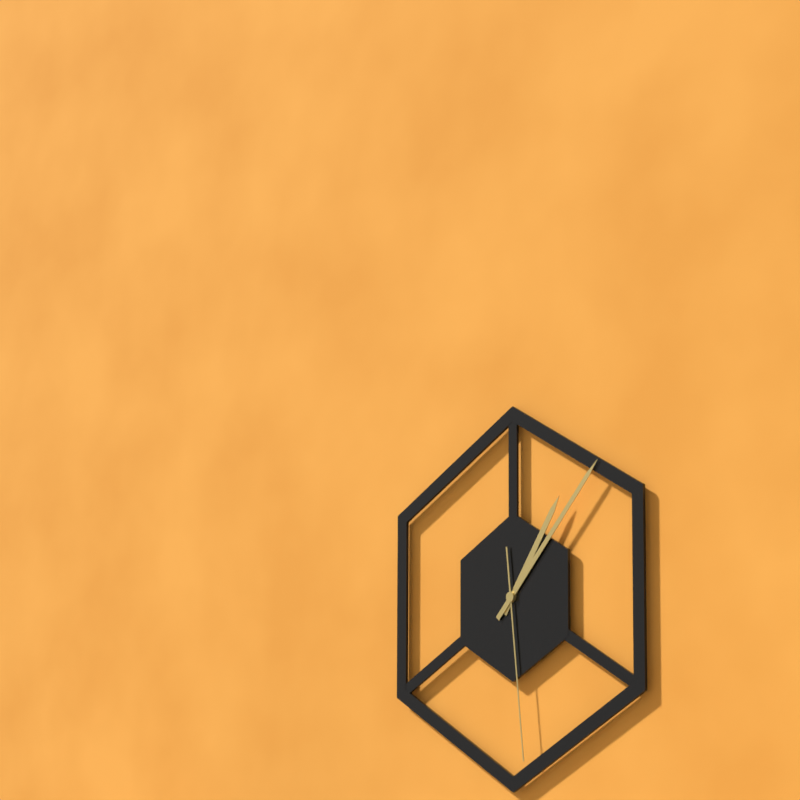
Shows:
1h07m29s
